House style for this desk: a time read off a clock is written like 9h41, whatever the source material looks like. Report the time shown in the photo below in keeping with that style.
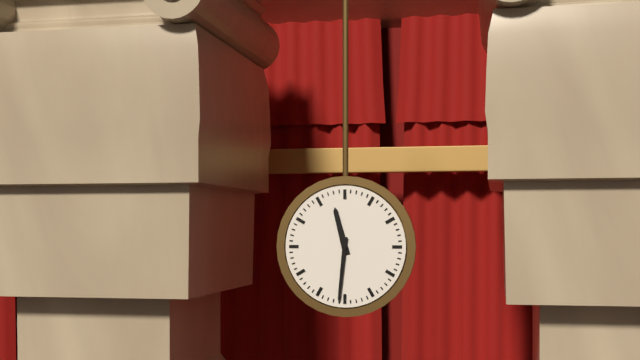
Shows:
11h31
